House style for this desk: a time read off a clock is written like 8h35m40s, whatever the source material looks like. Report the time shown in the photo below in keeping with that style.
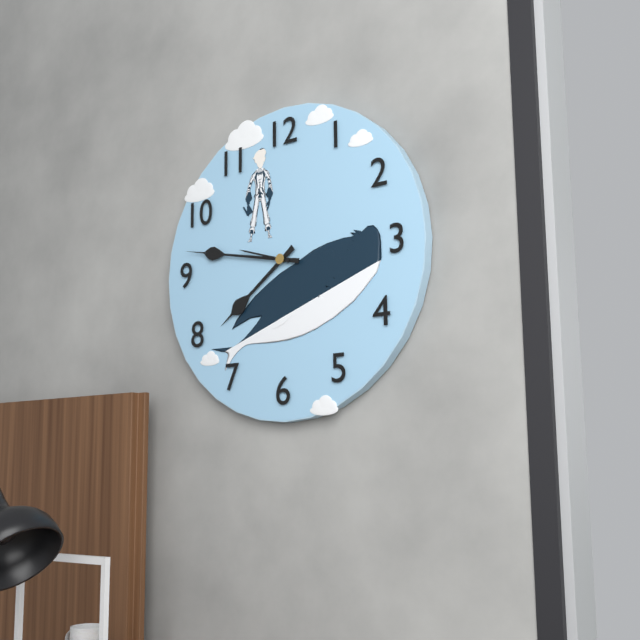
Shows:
7h47m48s
